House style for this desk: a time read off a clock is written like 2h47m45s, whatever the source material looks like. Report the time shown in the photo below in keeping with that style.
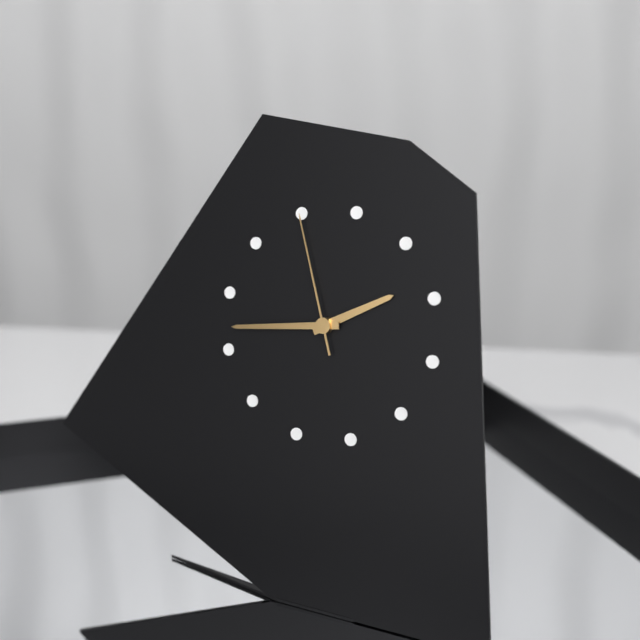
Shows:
1h42m55s
